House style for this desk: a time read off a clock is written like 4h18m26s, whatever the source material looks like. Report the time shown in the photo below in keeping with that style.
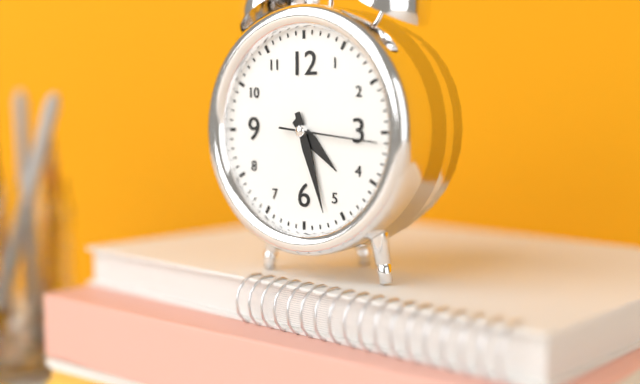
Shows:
4h27m16s
